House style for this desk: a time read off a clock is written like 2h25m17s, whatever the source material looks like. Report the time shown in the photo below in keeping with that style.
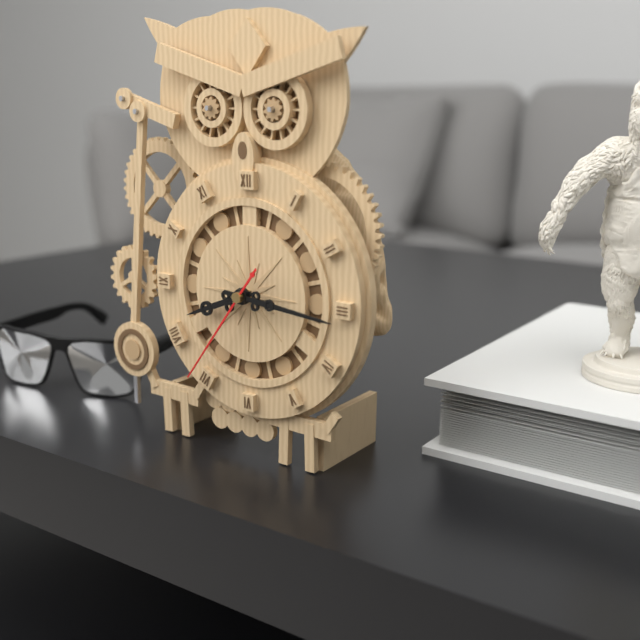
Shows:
8h16m36s
